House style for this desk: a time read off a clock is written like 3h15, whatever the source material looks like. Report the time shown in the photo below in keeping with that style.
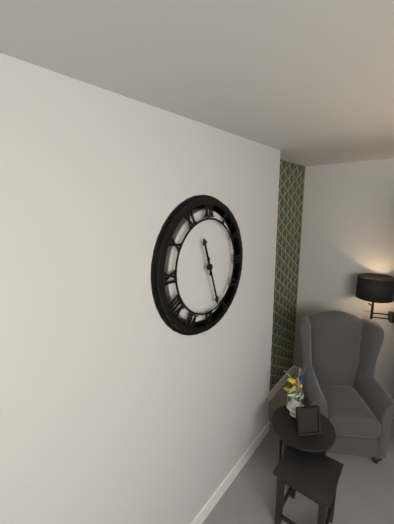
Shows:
11h27
